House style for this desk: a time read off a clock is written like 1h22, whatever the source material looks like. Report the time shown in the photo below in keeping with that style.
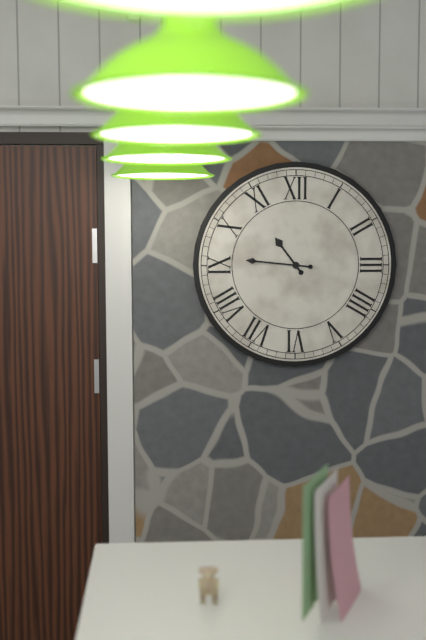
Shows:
10h46
